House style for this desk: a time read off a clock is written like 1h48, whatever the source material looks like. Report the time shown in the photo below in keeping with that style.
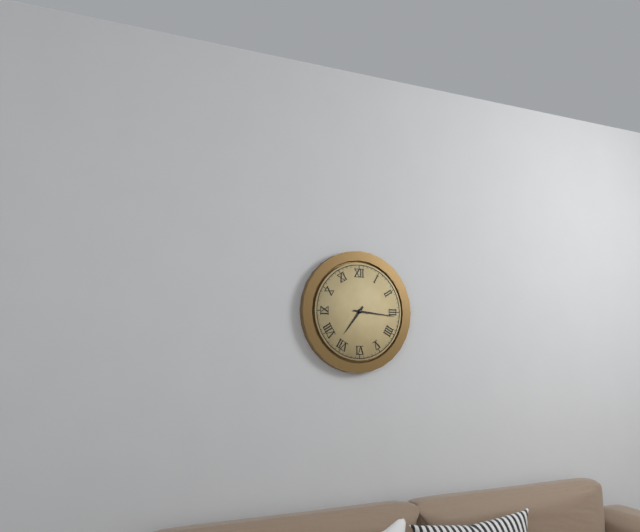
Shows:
7h16
